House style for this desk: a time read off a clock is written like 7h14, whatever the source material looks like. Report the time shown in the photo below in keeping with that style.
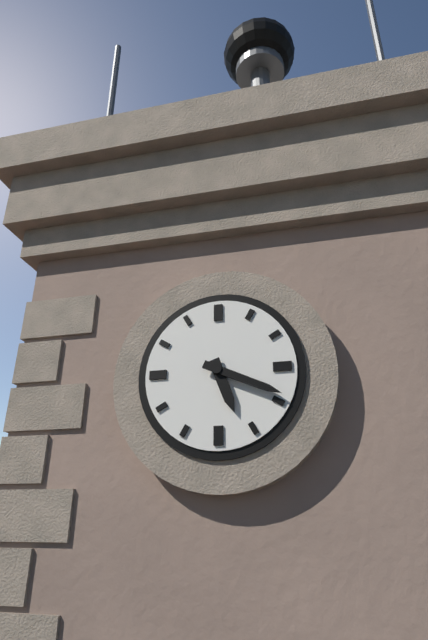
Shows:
5h19
